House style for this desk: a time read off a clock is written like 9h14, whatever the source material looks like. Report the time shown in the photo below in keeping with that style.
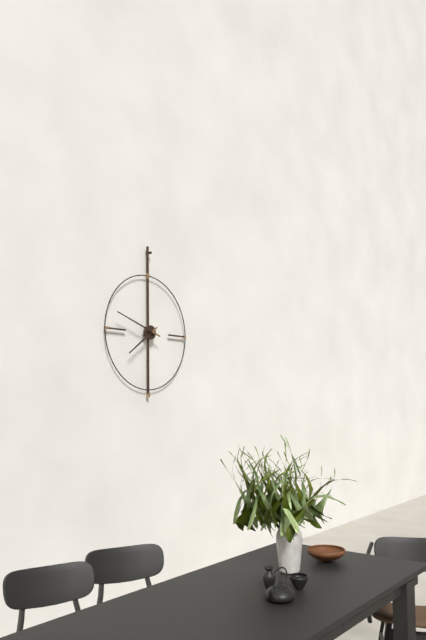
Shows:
7h48
